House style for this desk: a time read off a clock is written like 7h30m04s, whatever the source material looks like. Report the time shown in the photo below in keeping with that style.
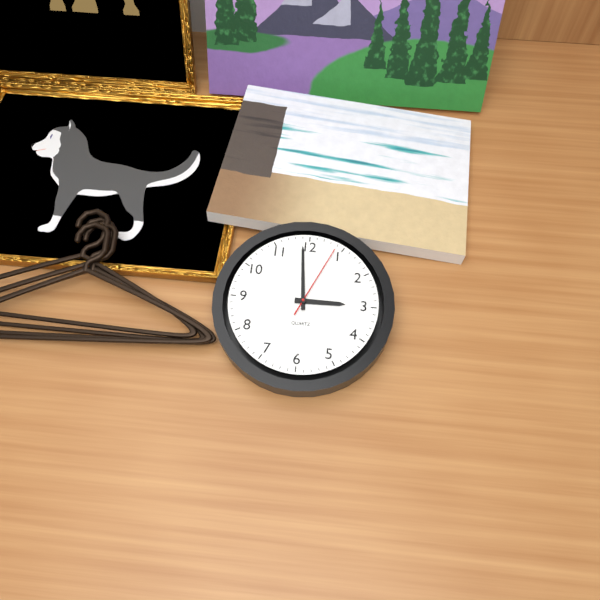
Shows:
2h59m04s
